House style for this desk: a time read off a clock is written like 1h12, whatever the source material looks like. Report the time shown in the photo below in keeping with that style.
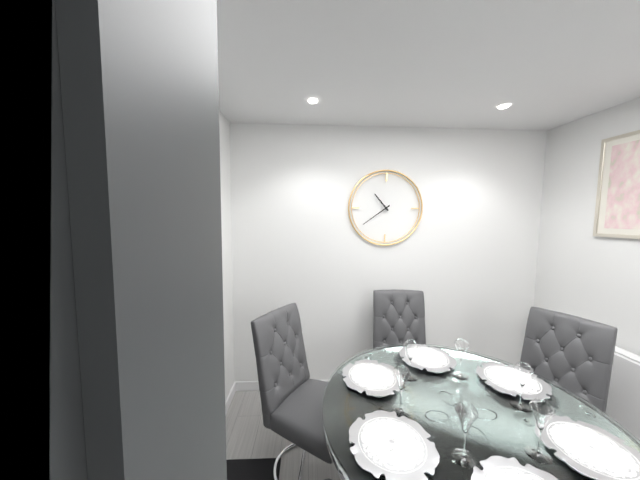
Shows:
10h39
